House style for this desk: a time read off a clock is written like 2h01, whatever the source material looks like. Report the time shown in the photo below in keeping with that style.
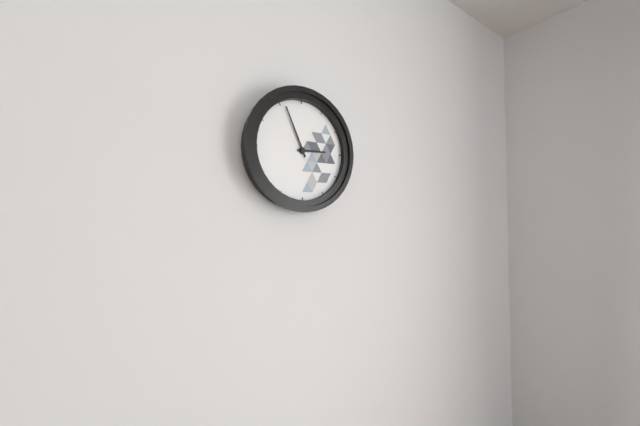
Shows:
2h56
